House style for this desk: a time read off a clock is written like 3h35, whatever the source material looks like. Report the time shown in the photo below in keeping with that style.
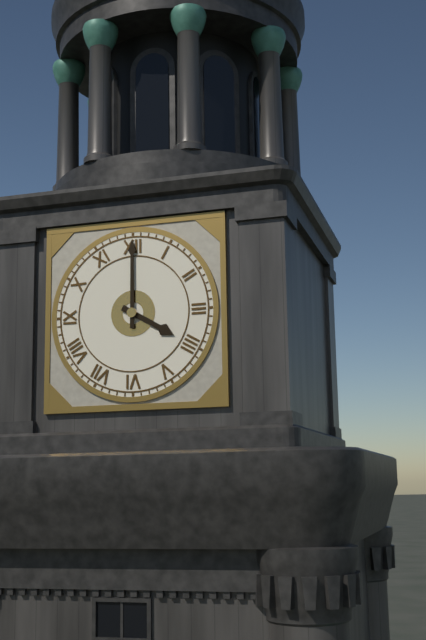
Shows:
4h00
